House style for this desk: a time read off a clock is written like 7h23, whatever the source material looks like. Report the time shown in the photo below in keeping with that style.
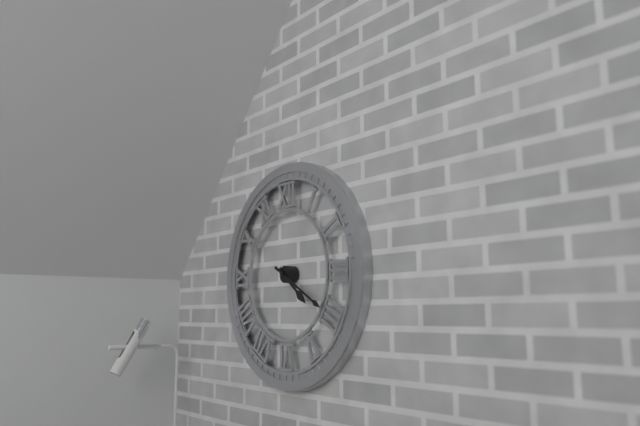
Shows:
4h20
